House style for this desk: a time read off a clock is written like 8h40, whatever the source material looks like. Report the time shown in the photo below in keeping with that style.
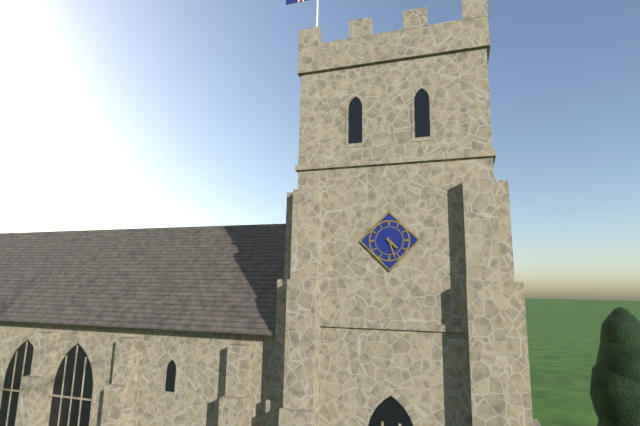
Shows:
4h27
